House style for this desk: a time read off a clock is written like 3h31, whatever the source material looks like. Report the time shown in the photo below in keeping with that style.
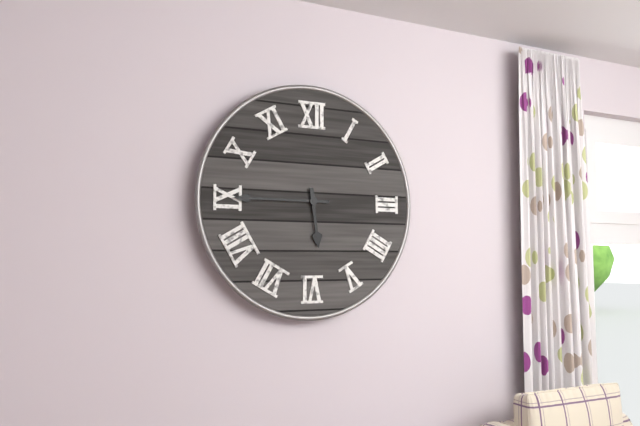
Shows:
5h45
